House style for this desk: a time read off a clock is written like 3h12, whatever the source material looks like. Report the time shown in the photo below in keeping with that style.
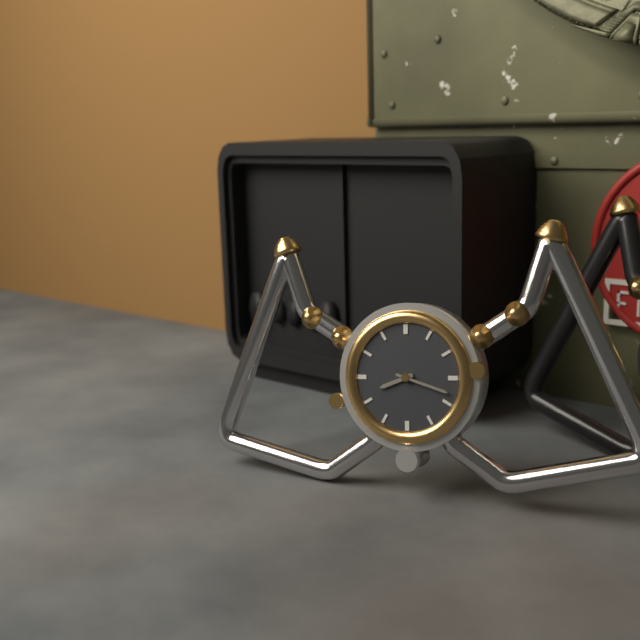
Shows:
8h18
